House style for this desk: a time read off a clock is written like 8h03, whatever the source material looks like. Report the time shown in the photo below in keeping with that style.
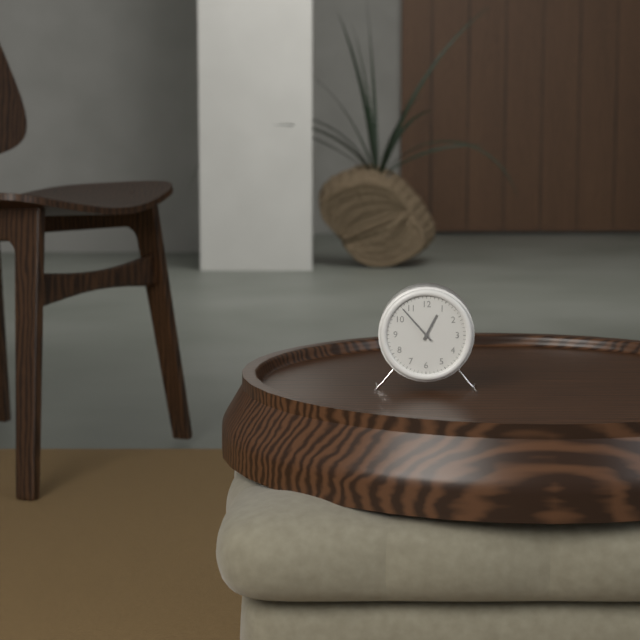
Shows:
12h53
